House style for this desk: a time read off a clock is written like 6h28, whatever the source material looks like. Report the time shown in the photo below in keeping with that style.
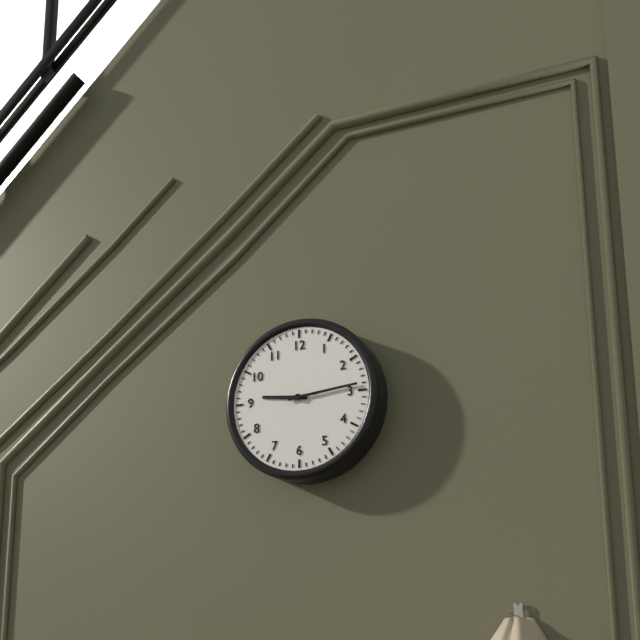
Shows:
9h14
